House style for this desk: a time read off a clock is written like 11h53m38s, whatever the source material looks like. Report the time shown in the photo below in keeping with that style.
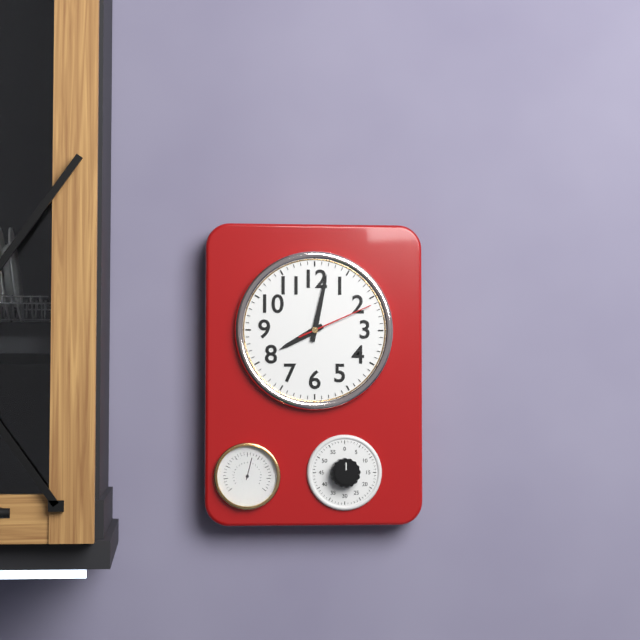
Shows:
8h02m11s
